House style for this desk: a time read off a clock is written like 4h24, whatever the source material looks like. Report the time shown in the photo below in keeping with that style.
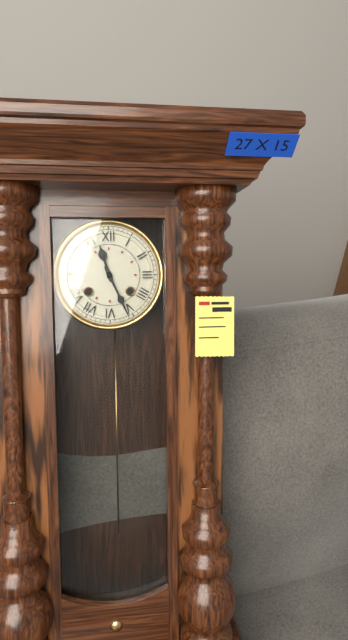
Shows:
11h26
